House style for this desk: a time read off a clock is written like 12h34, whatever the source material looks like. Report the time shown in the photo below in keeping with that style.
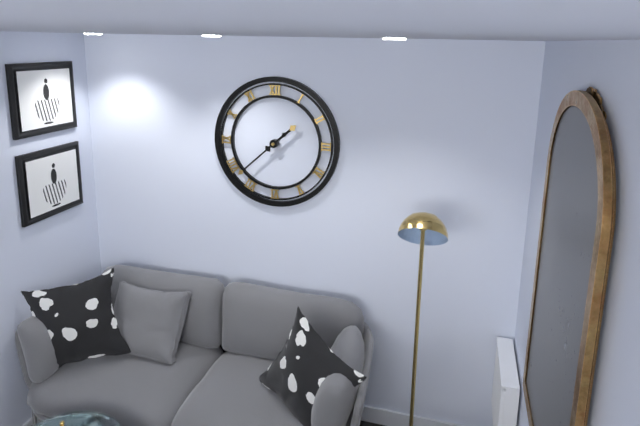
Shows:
1h38
